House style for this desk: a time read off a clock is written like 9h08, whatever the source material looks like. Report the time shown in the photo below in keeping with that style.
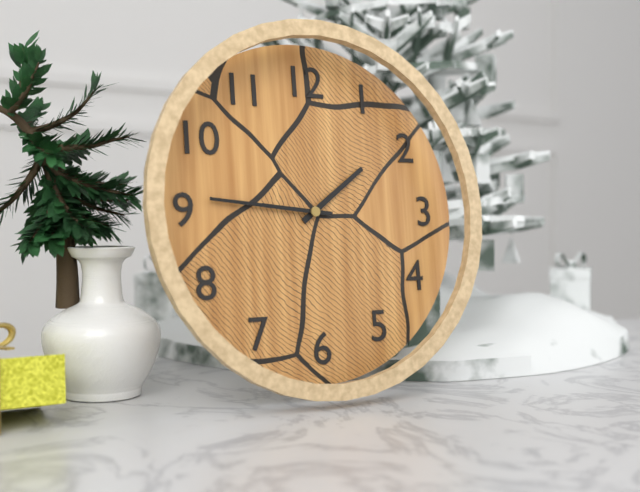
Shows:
1h46
